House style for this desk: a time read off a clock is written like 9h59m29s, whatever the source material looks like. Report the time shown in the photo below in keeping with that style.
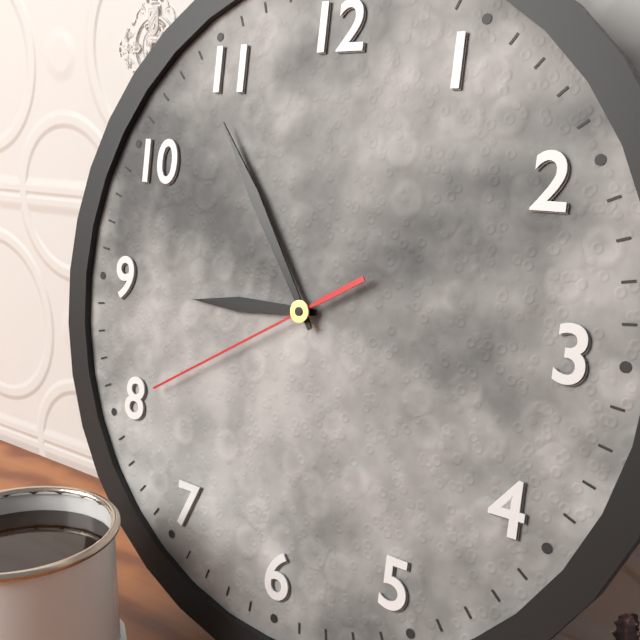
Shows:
8h54m40s
